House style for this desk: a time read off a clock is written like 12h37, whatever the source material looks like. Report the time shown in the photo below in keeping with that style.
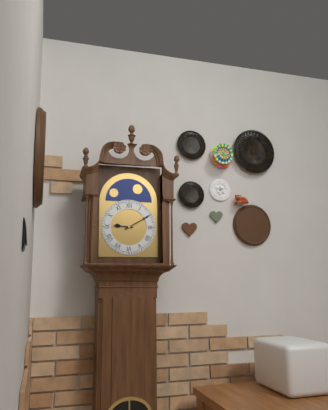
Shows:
9h10
